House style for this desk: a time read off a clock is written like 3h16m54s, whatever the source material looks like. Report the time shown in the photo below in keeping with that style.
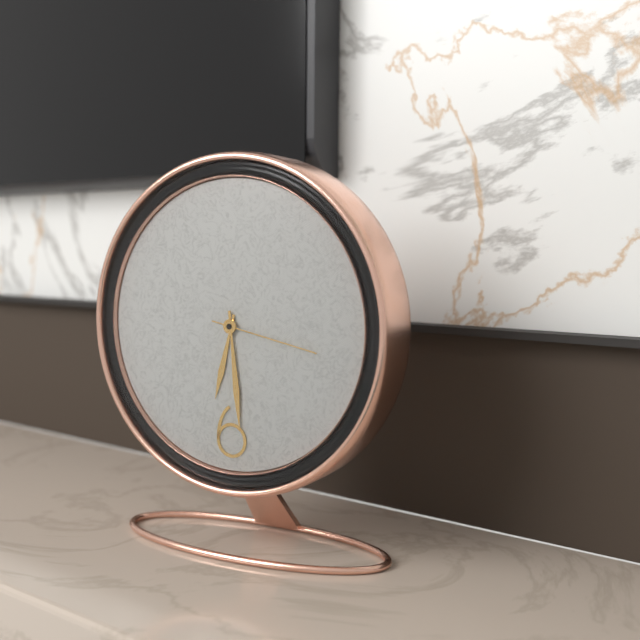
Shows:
6h29m17s
